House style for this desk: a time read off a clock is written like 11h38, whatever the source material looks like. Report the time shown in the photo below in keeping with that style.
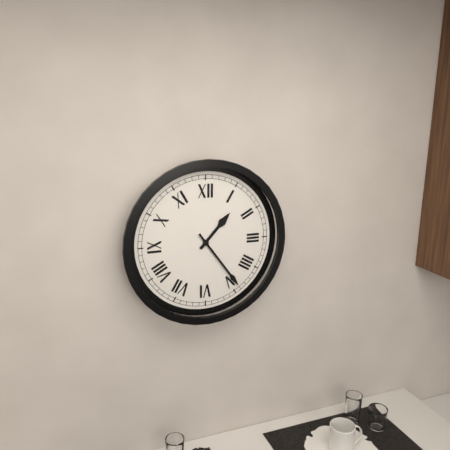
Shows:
1h24
